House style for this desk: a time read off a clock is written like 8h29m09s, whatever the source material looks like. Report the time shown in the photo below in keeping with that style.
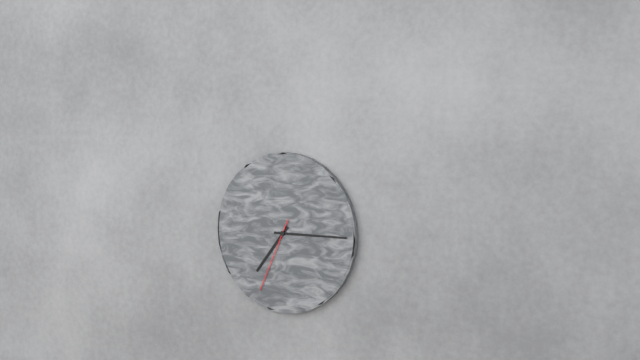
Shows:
7h15m34s
